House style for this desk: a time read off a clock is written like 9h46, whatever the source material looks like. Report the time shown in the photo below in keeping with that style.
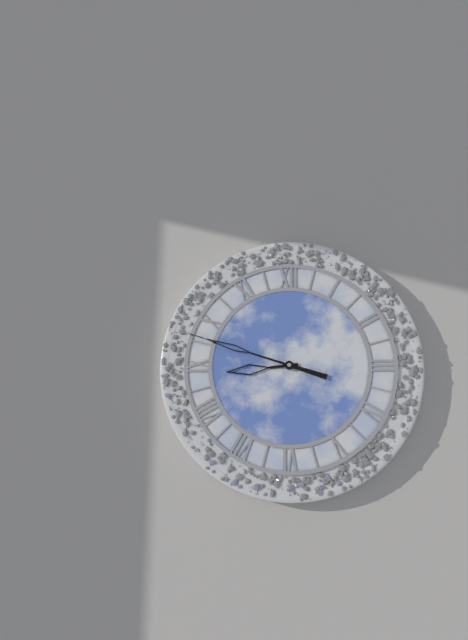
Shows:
8h48
